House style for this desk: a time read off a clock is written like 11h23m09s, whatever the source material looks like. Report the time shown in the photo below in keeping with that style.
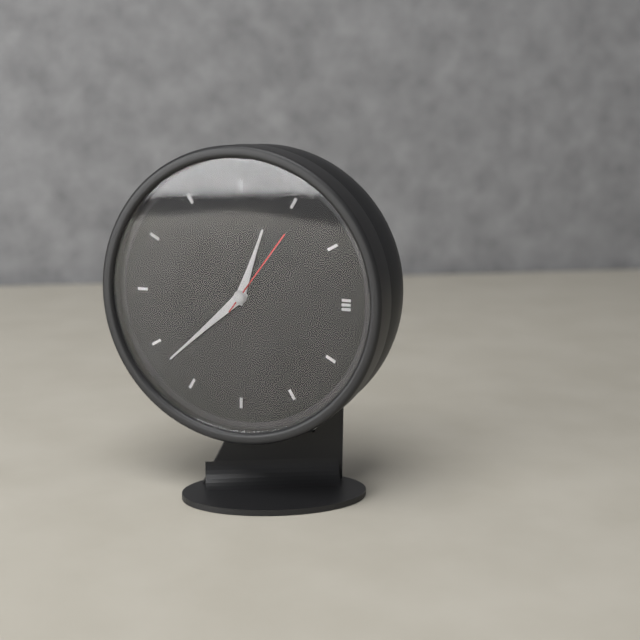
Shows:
12h38m06s
